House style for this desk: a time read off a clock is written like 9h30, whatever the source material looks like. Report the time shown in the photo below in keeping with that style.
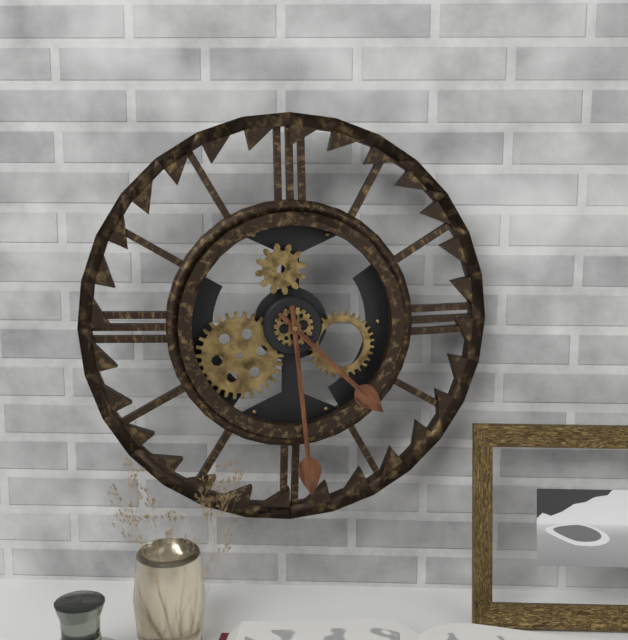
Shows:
4h29
